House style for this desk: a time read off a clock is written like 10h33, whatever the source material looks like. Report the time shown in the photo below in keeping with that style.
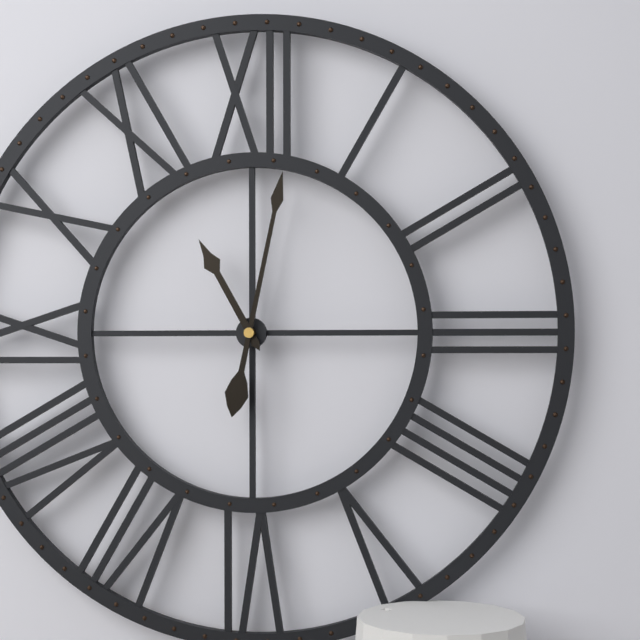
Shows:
11h02
